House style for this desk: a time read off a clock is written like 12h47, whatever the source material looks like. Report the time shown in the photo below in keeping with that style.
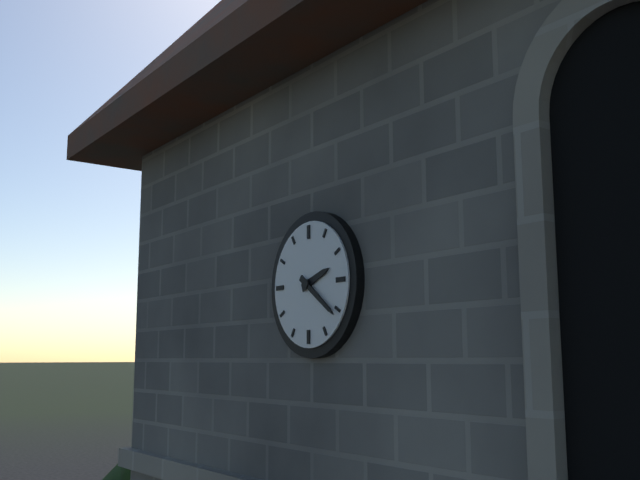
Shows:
2h21
